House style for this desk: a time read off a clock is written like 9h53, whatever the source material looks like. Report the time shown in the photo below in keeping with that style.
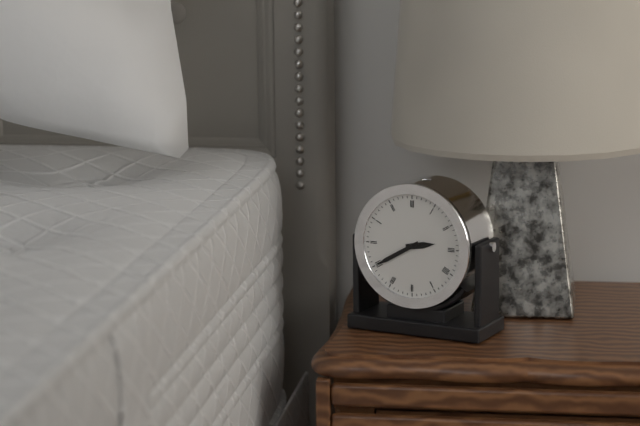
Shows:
2h40
